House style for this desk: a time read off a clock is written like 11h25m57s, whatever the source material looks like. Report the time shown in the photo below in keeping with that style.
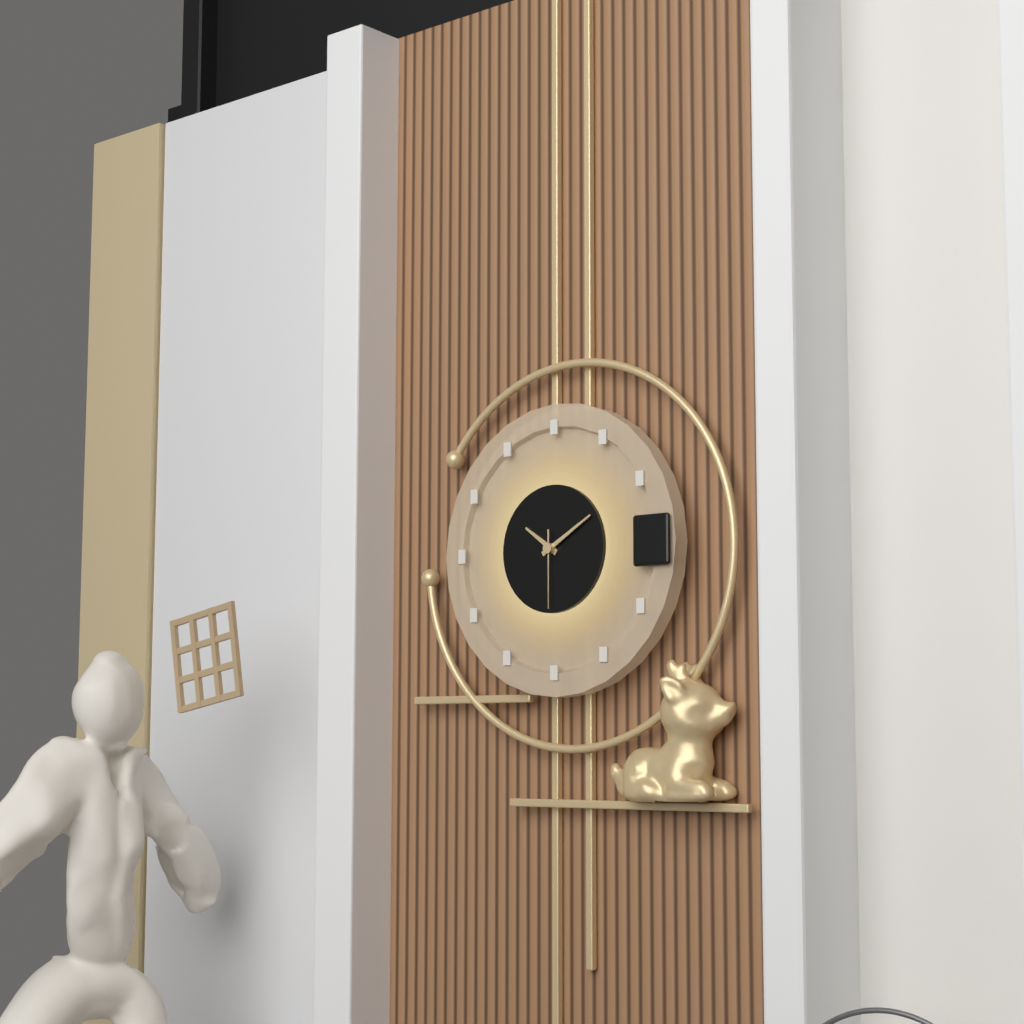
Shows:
10h10m30s
